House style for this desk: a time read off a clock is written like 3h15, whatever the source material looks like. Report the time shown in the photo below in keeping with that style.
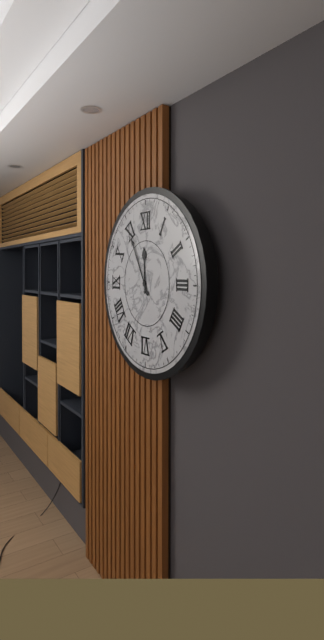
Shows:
11h55
